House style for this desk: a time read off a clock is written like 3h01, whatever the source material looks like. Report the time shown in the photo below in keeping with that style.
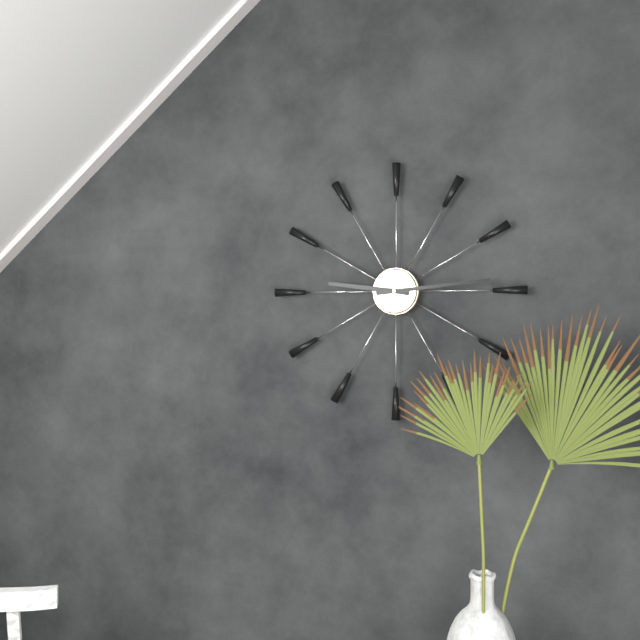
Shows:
9h14
